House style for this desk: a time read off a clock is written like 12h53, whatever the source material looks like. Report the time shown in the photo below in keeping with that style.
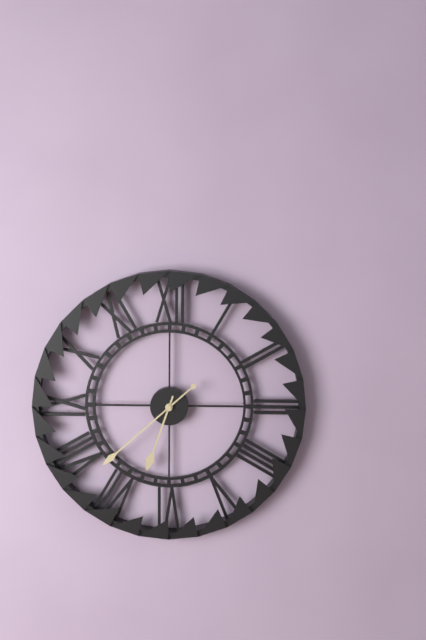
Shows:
6h38
